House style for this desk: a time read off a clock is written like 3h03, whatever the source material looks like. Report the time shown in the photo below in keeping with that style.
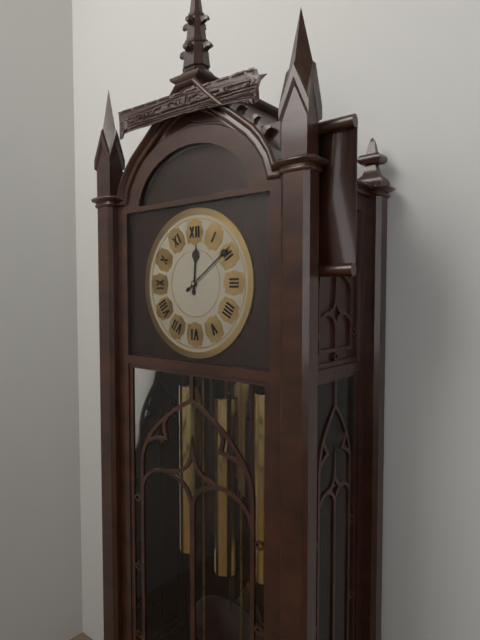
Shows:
12h09
